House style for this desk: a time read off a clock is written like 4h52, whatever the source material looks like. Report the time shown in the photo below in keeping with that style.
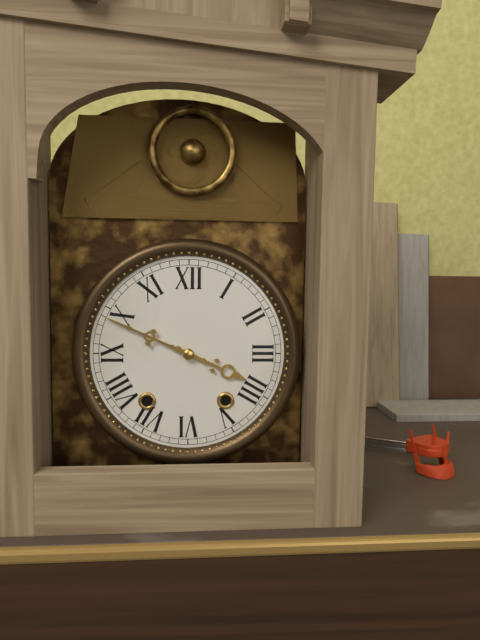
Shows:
3h49
